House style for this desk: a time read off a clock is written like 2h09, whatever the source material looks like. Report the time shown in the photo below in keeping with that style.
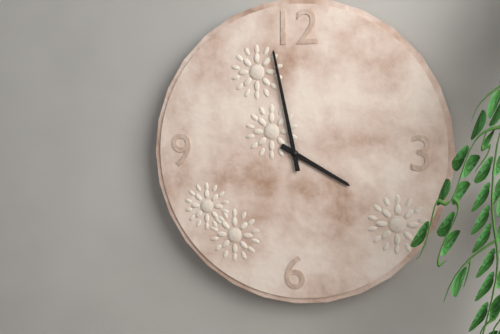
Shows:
3h58
